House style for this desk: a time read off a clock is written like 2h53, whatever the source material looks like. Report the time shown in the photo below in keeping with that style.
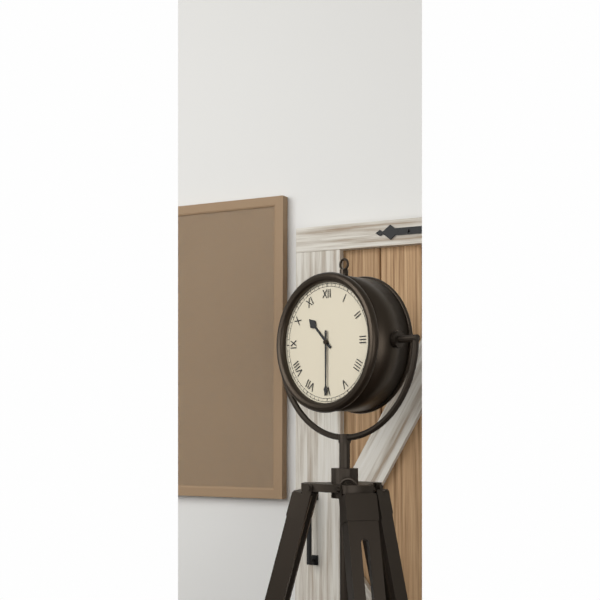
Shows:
10h30
